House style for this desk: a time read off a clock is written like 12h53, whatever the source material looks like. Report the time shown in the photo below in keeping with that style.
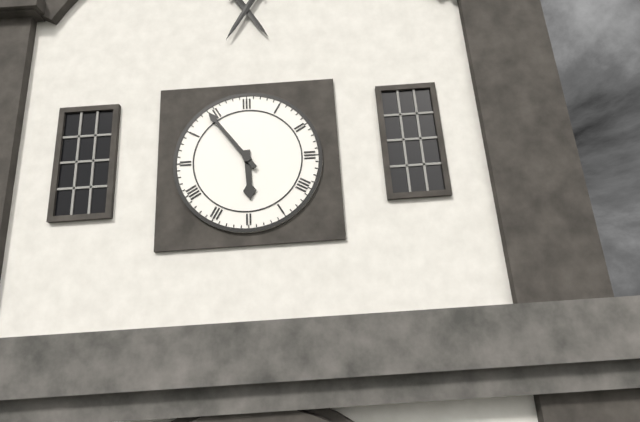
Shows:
5h54
